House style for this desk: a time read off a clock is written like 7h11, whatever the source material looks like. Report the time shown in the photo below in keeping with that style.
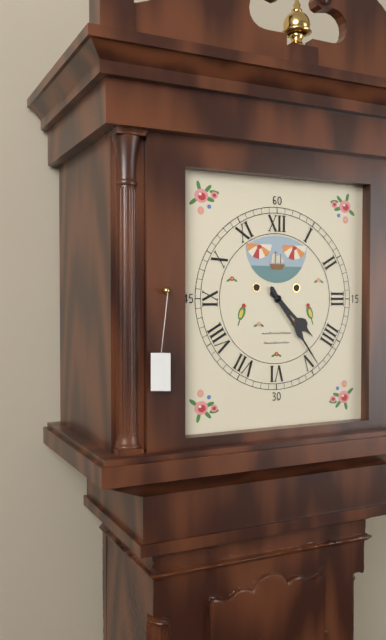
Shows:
4h24
